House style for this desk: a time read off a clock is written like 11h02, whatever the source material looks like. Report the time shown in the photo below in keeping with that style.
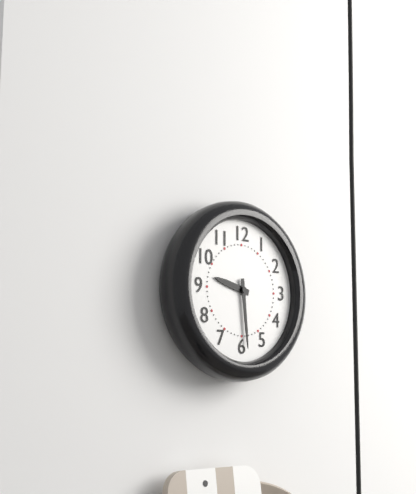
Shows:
9h29
